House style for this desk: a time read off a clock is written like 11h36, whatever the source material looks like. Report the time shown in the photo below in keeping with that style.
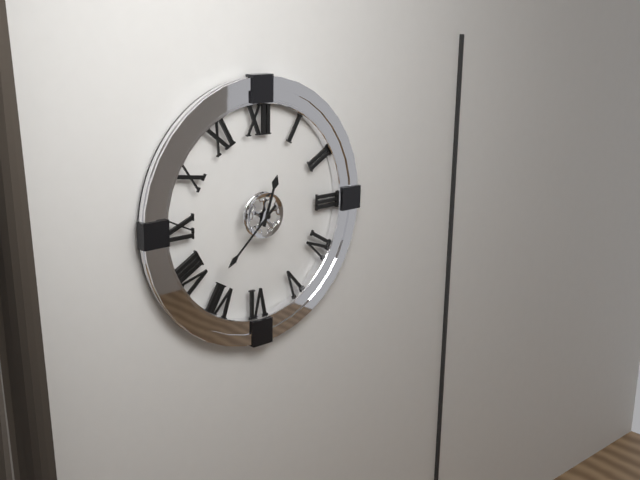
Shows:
12h38
